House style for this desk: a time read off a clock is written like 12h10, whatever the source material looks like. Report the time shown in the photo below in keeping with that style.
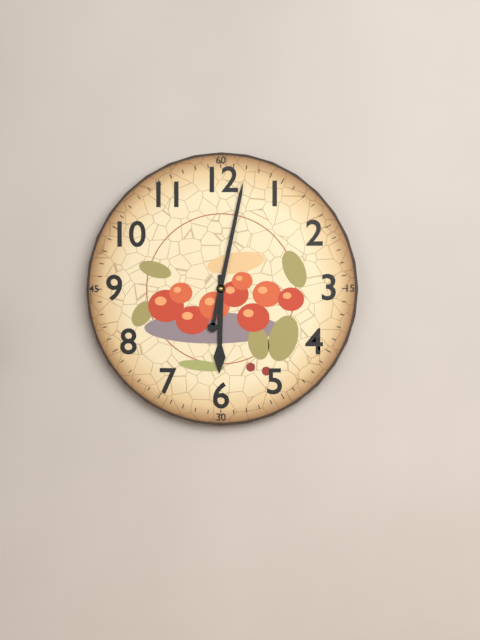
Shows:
6h02
